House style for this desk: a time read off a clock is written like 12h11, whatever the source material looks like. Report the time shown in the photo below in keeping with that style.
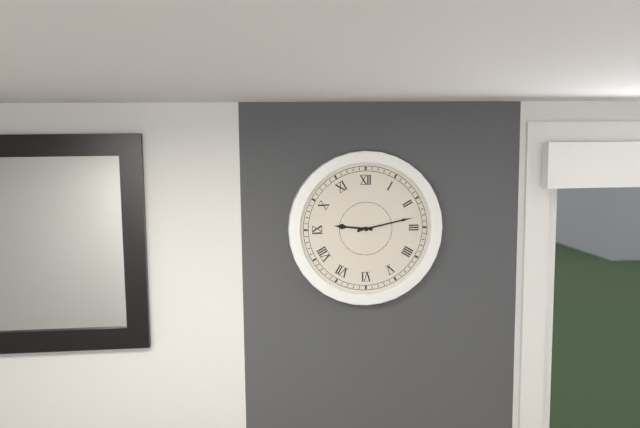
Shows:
9h13
